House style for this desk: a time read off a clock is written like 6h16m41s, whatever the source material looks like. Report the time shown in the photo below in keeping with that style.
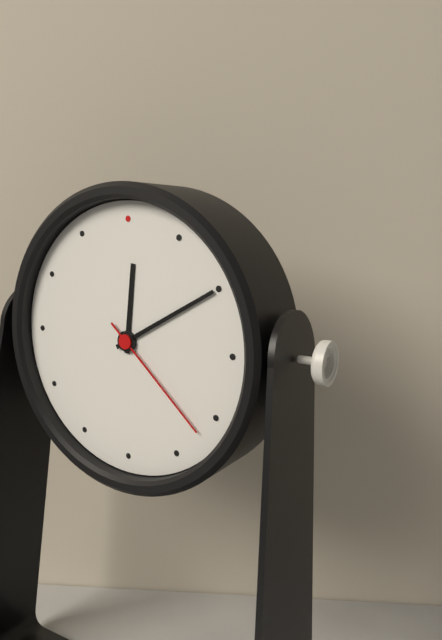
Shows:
12h10m22s
